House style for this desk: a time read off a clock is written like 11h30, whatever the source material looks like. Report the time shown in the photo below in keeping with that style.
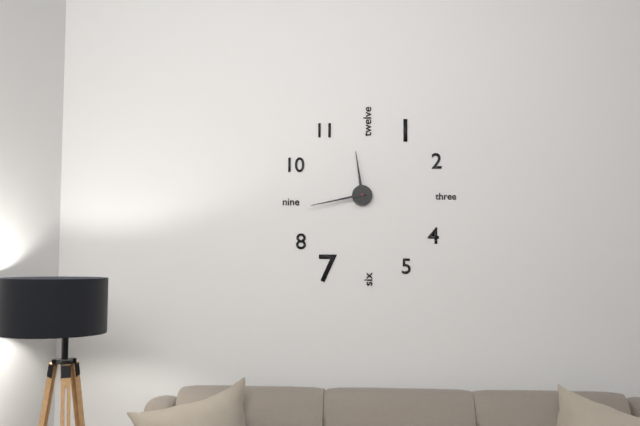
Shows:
11h43
